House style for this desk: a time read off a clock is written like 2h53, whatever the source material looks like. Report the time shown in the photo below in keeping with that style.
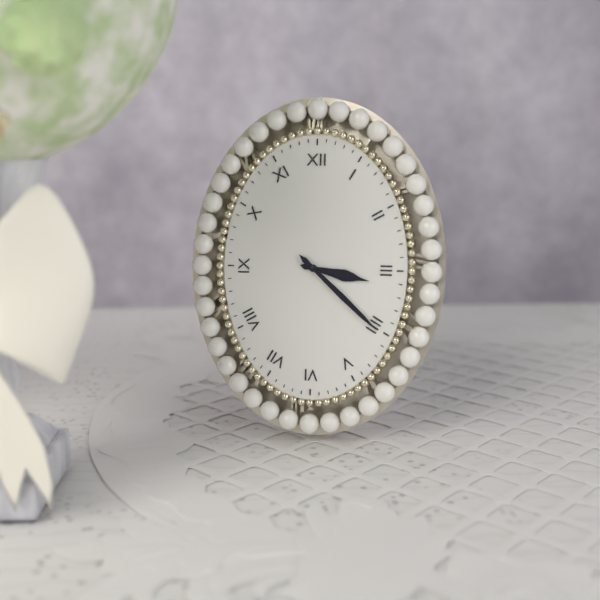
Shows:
3h22
